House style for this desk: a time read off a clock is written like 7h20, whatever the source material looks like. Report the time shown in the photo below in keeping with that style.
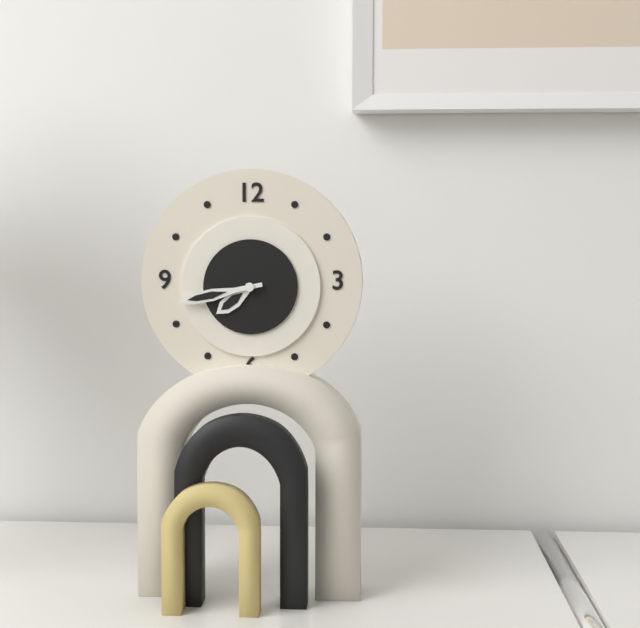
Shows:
7h43
